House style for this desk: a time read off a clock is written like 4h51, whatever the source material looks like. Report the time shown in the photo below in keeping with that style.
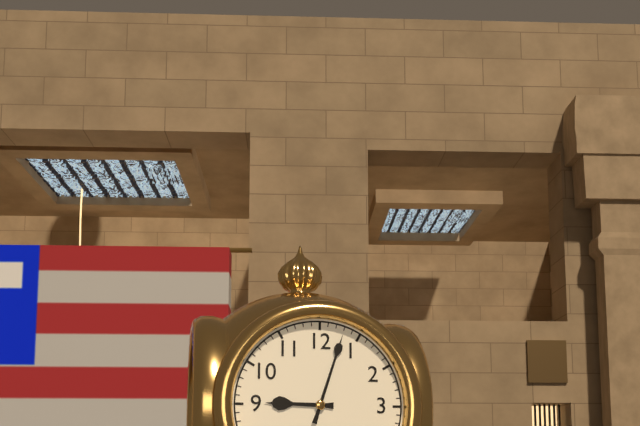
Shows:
9h03
